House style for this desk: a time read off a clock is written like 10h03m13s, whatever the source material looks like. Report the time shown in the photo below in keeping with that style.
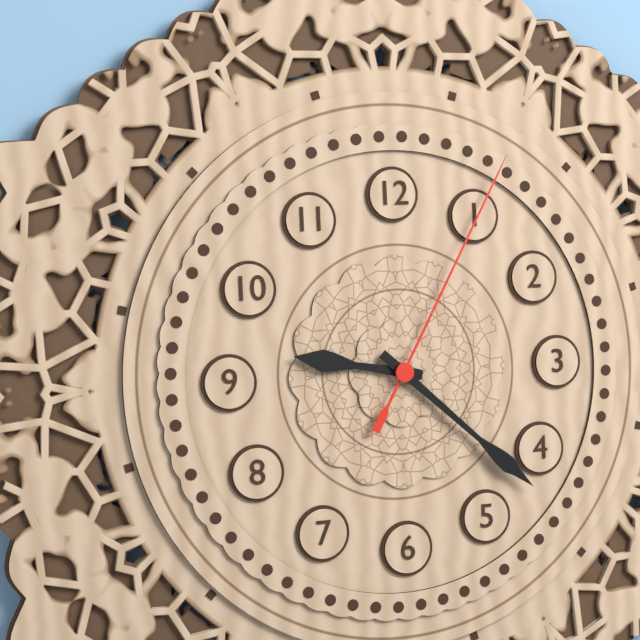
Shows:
9h22m05s
